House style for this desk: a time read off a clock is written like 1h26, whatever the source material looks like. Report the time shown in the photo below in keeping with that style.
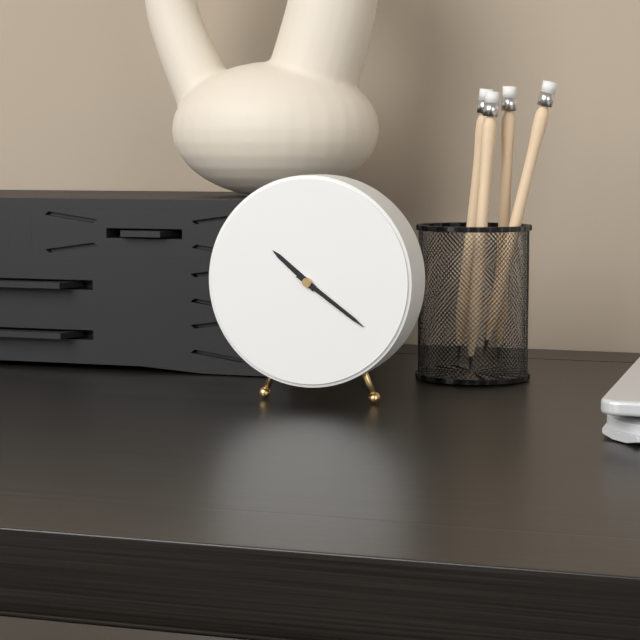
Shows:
10h21
